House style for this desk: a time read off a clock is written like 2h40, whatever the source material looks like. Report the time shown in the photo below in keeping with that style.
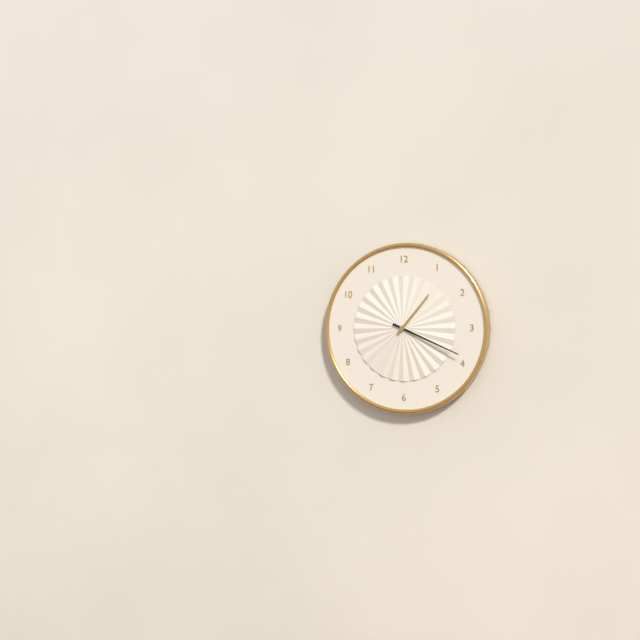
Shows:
1h19
